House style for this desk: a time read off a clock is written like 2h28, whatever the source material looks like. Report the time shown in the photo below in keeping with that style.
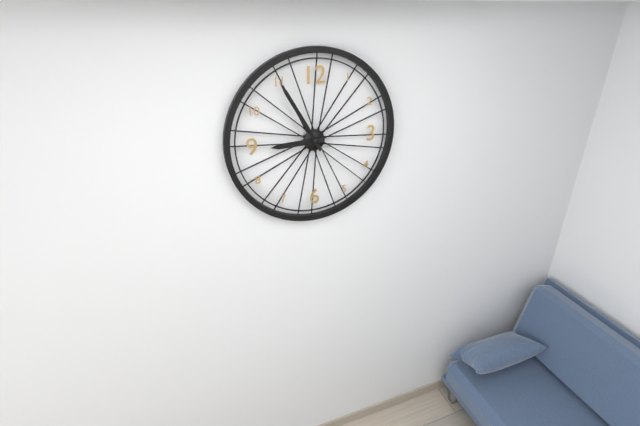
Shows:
8h55
